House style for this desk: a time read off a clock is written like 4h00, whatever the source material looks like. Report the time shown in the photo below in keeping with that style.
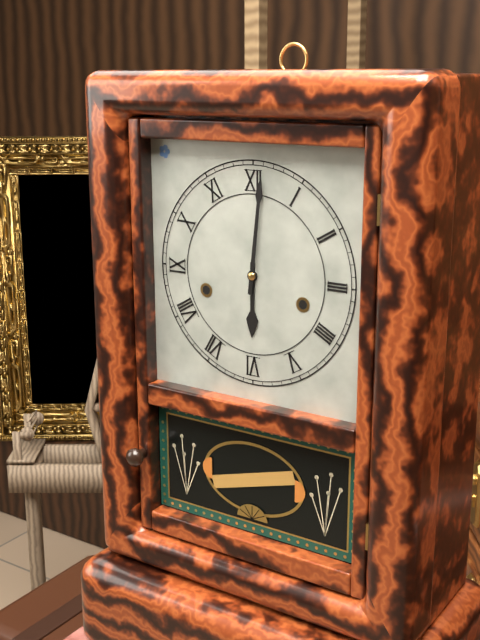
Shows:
6h01
